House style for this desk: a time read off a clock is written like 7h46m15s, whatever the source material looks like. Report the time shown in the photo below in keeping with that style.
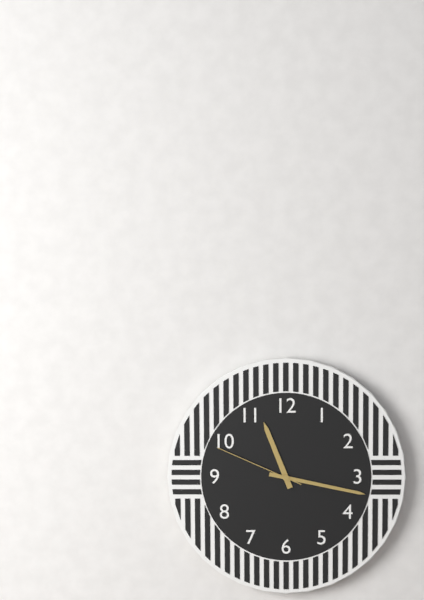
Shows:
11h17m49s
